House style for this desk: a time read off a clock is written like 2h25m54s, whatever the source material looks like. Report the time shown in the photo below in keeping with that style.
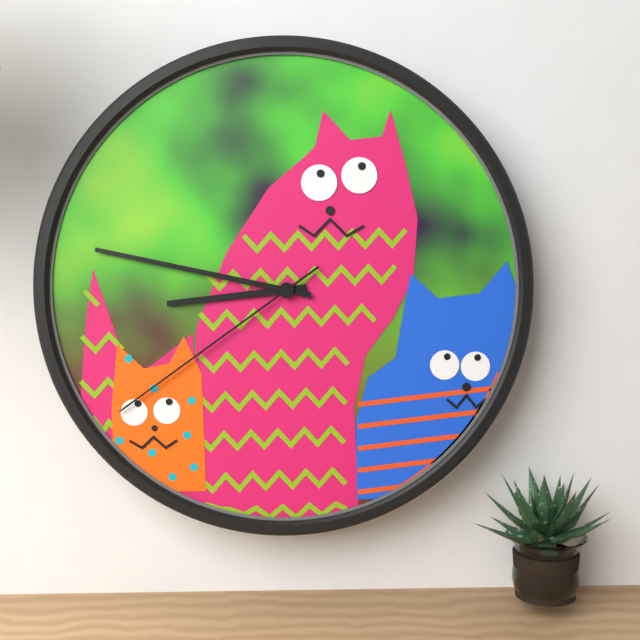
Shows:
8h47m39s
